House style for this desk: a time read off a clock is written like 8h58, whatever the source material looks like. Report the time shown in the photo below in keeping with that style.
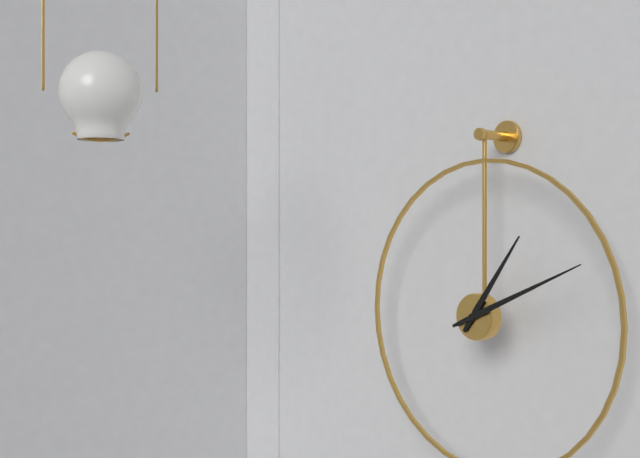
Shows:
1h11
